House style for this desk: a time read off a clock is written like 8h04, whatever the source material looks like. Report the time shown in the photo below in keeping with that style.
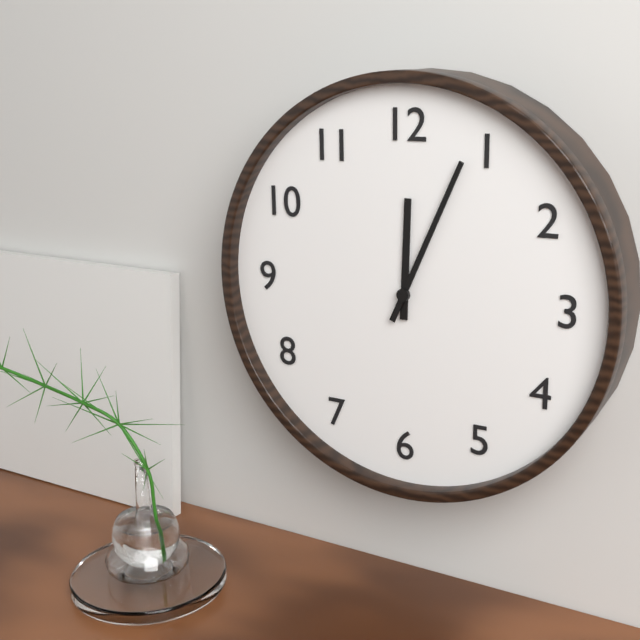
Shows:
12h04
